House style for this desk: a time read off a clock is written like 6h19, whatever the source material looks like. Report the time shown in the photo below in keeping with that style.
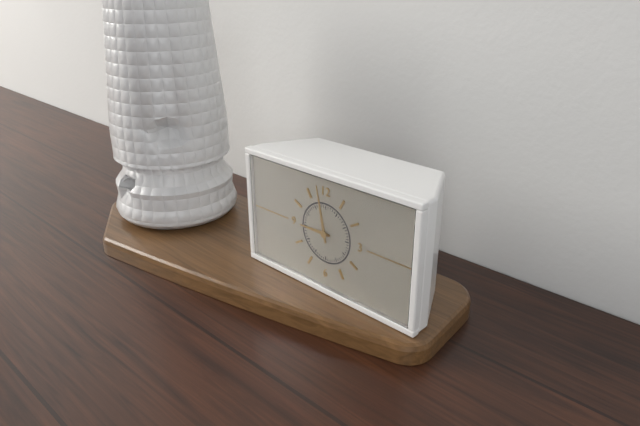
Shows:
8h58
